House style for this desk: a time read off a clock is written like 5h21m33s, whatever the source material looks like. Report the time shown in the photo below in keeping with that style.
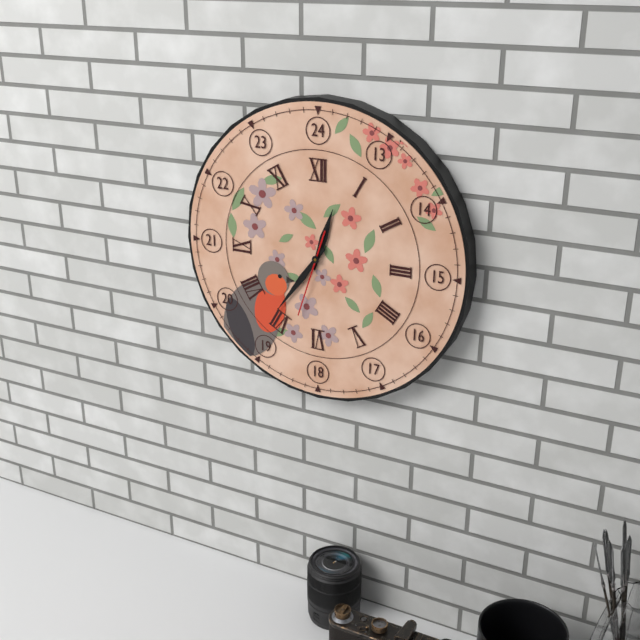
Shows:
12h36m33s
